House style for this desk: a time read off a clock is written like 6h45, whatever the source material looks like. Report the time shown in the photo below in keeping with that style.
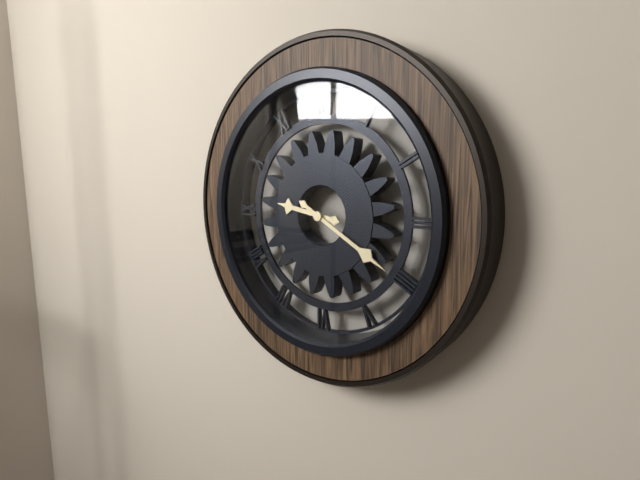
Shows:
9h20
